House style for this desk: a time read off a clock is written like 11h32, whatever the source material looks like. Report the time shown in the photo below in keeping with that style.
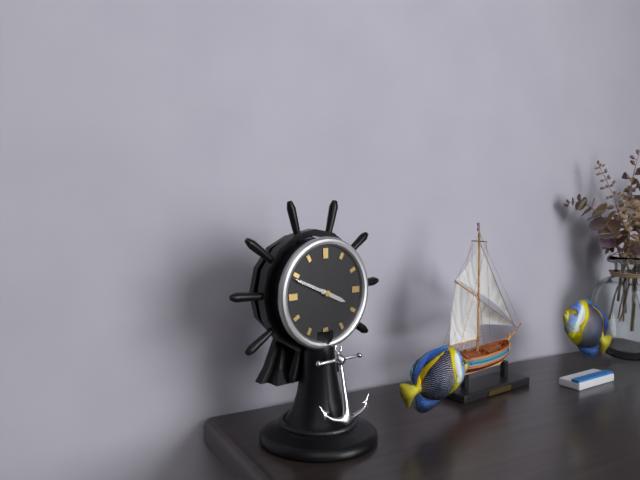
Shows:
3h49
